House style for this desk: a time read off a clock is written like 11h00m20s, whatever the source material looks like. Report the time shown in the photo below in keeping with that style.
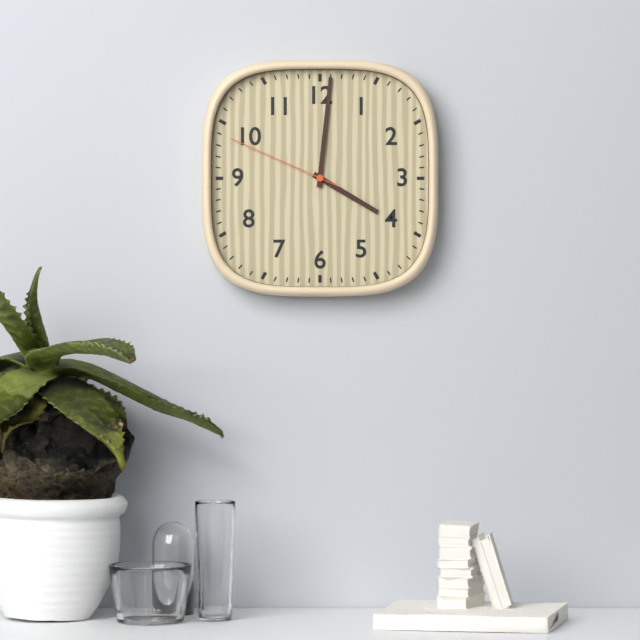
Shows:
4h01m49s
